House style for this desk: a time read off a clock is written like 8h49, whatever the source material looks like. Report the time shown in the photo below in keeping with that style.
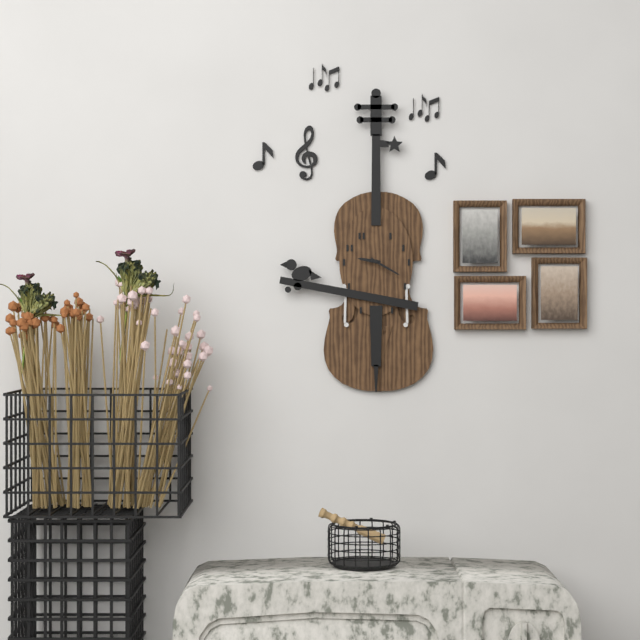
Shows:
9h20
